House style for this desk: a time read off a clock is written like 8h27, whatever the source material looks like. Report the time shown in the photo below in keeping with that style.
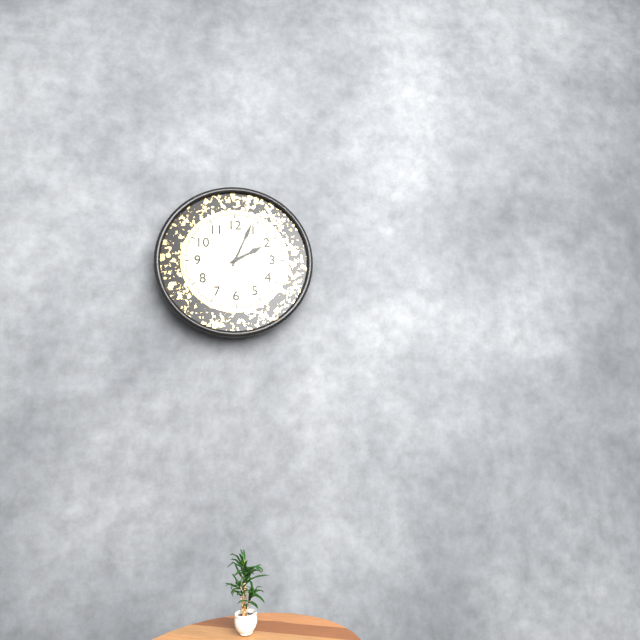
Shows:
2h04
